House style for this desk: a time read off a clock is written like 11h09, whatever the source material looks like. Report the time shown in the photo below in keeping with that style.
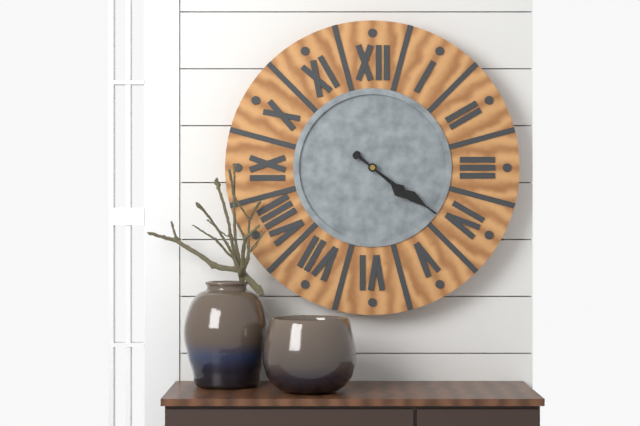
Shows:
4h21
